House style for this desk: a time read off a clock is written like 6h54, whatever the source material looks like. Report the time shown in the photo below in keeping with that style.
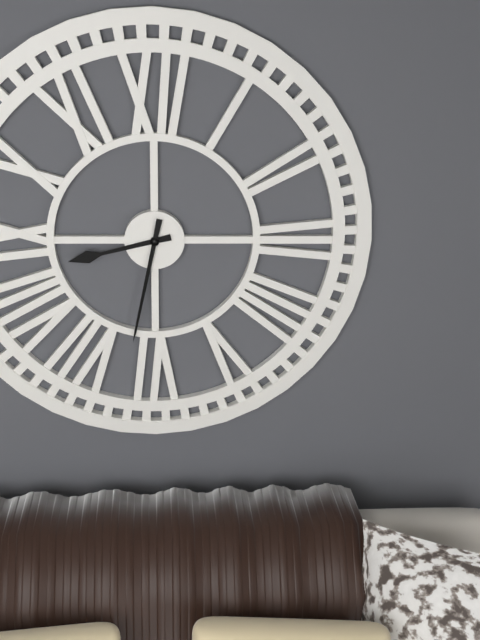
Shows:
8h32
